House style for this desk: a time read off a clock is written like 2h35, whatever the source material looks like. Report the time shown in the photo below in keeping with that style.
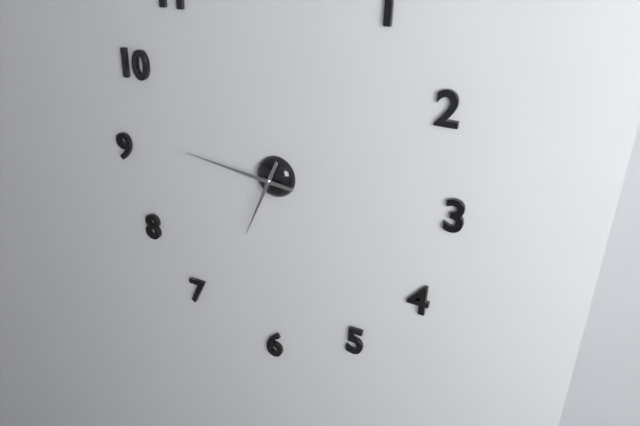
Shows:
6h46
